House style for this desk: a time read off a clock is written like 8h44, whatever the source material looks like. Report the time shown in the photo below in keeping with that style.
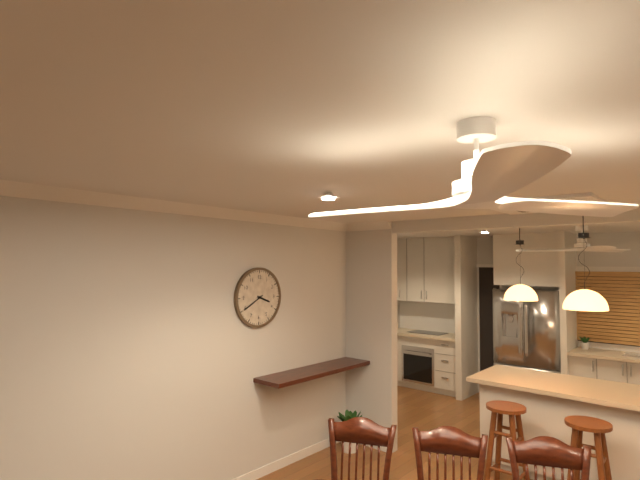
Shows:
3h40
